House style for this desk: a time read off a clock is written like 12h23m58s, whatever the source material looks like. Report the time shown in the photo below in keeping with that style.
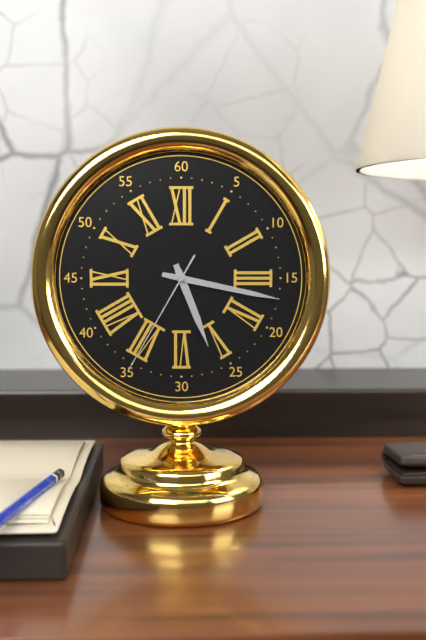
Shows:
5h17m35s
